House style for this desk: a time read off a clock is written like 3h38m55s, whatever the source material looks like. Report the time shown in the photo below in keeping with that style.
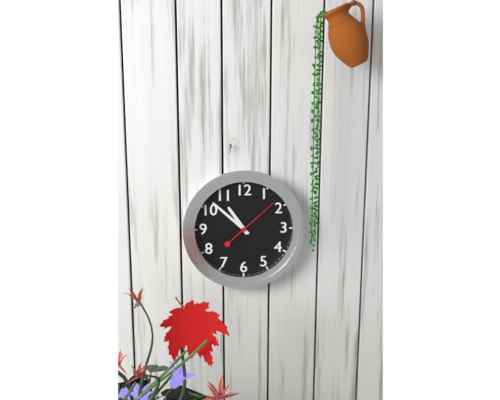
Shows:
10h52m08s
